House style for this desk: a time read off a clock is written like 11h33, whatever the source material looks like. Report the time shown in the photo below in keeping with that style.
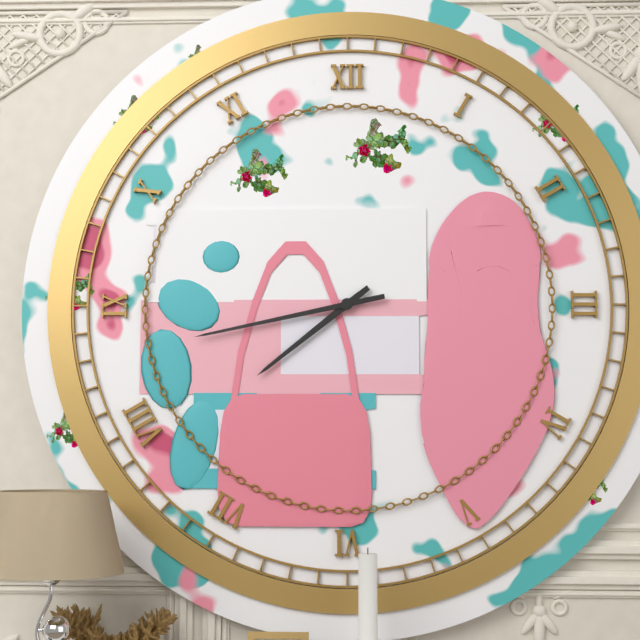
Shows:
7h43
